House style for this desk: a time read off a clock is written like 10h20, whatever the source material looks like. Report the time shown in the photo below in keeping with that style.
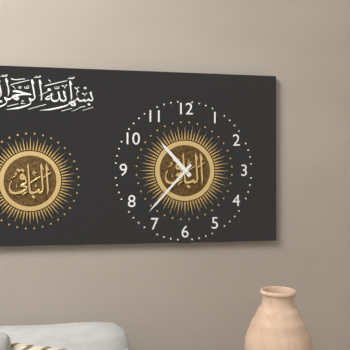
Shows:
10h37
